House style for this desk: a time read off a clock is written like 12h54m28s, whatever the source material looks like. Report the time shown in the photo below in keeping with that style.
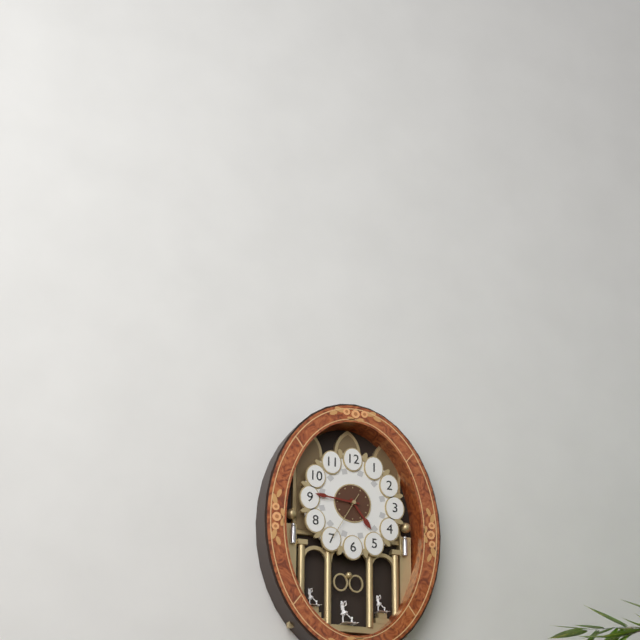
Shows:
4h46m35s
